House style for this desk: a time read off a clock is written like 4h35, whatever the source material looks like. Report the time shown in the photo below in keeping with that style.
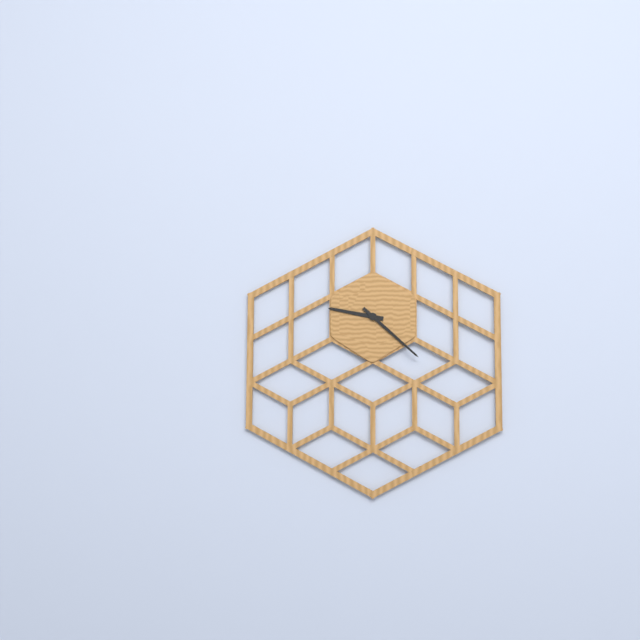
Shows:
9h22
